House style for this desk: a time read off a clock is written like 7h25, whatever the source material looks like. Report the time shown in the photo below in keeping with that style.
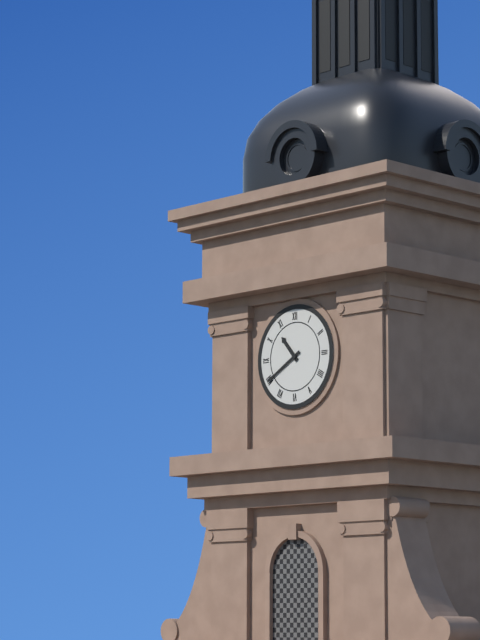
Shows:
10h40
